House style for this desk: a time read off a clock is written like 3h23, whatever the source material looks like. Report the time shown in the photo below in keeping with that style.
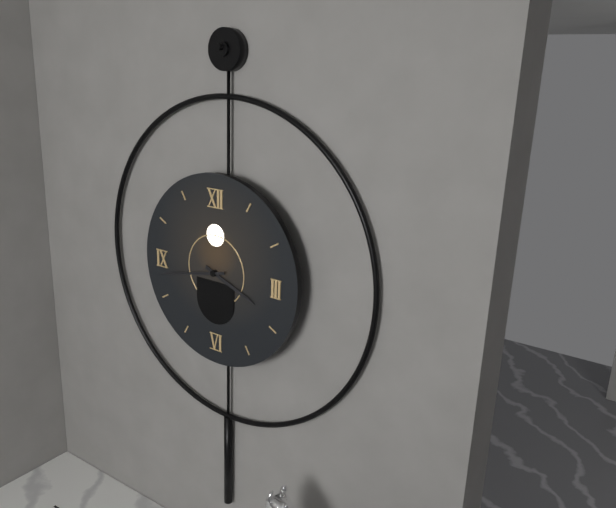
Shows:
3h43
